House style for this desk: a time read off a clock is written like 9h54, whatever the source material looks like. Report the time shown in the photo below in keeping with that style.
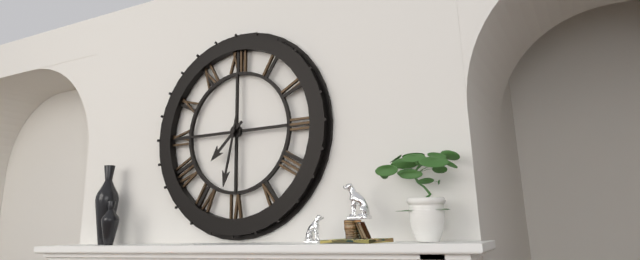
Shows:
7h32
